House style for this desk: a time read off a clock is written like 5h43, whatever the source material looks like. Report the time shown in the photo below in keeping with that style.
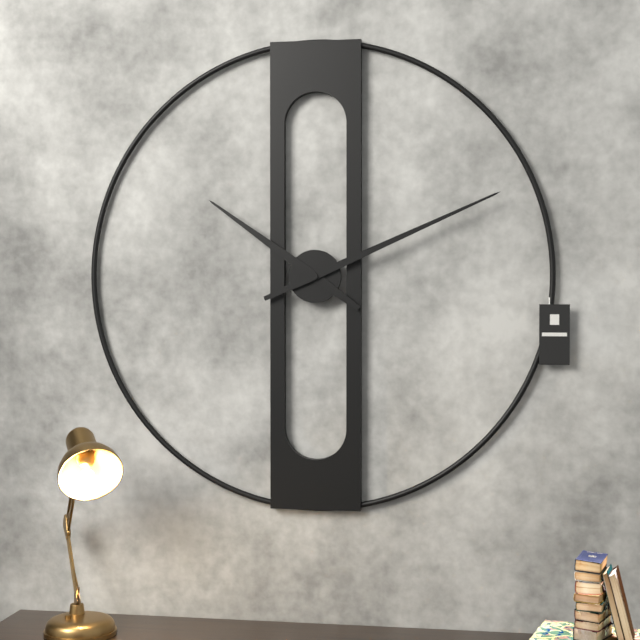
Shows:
10h11
